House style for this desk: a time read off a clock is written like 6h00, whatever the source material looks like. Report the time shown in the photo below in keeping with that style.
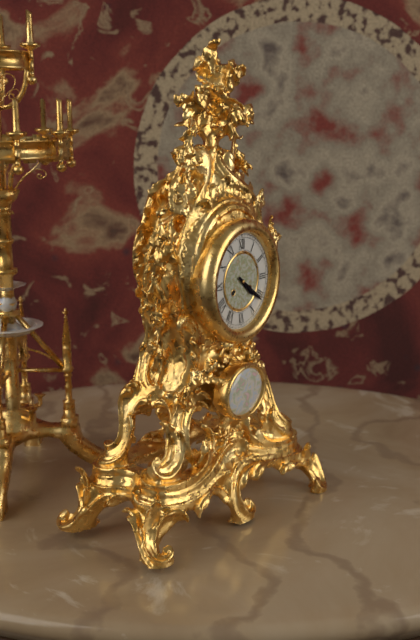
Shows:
4h21
